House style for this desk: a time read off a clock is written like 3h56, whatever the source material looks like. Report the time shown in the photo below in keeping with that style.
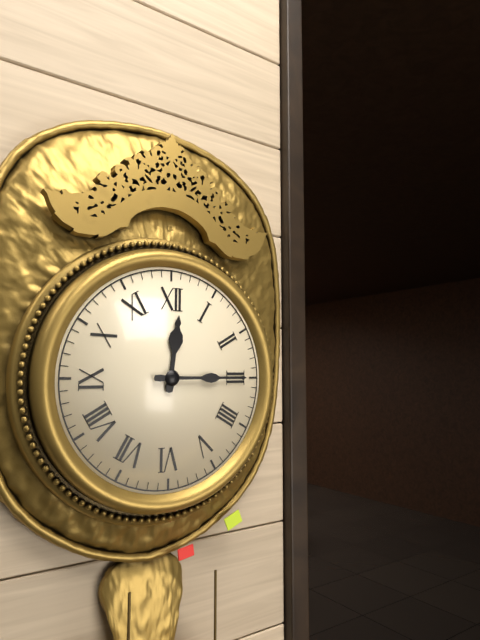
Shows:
12h15
